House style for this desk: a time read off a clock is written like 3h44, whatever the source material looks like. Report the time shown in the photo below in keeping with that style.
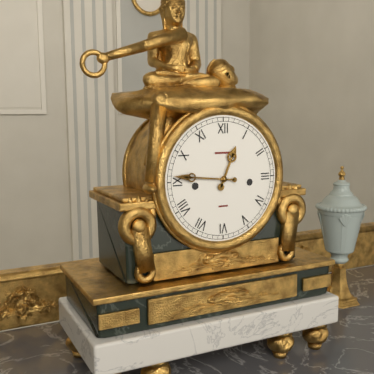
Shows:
12h46
